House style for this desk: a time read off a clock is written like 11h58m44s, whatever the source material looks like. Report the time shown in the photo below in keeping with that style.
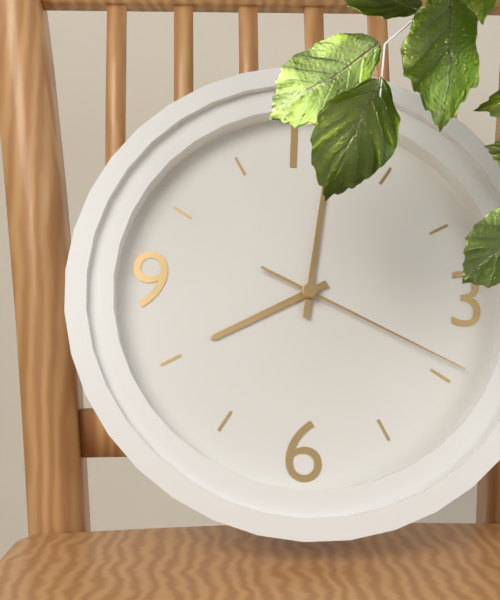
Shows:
8h01m19s
